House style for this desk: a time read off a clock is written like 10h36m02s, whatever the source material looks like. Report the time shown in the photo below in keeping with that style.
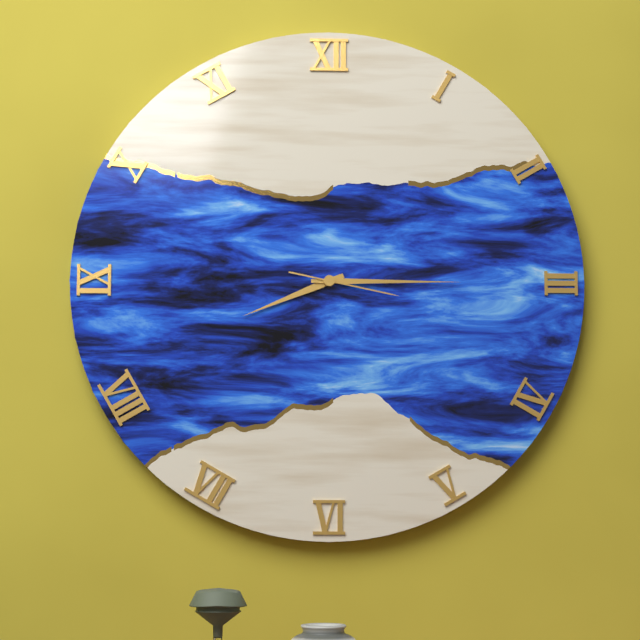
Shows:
8h15m17s
